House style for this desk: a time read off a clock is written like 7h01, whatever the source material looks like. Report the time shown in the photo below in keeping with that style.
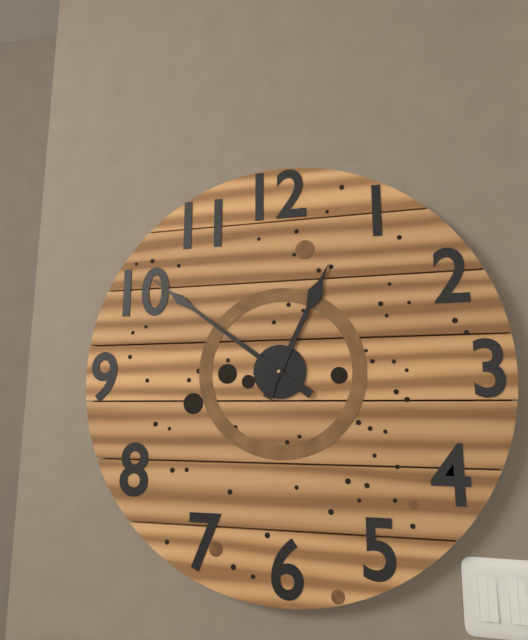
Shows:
12h51
